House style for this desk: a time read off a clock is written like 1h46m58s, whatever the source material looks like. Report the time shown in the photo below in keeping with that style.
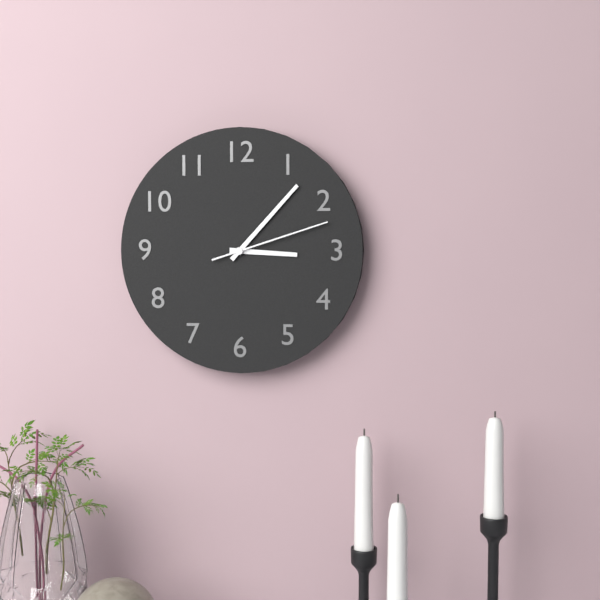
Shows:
3h07m12s
